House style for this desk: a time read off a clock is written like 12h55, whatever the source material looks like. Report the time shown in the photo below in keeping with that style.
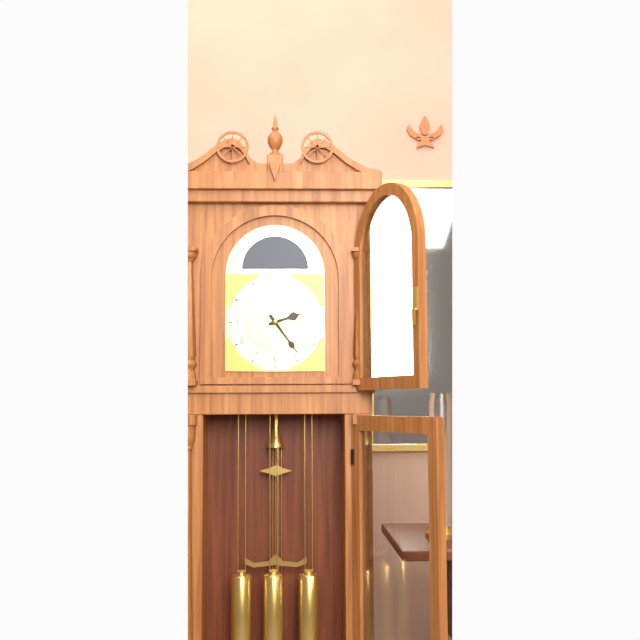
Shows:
2h24
